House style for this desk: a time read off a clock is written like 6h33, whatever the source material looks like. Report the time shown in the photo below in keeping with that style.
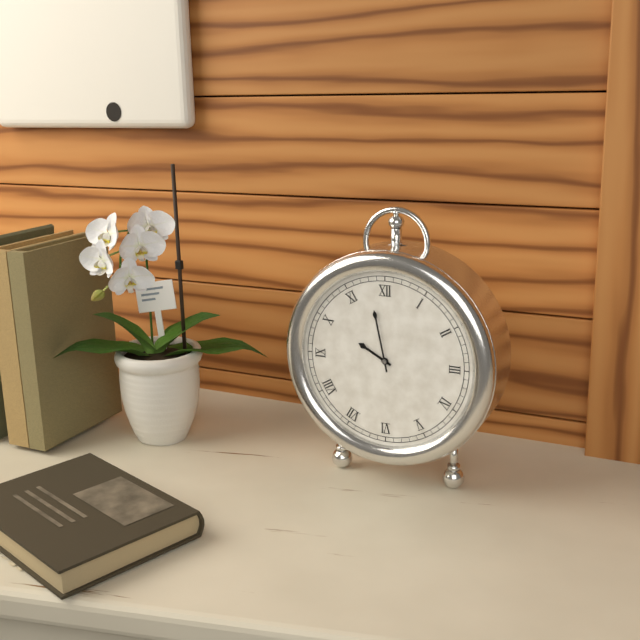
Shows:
9h58
